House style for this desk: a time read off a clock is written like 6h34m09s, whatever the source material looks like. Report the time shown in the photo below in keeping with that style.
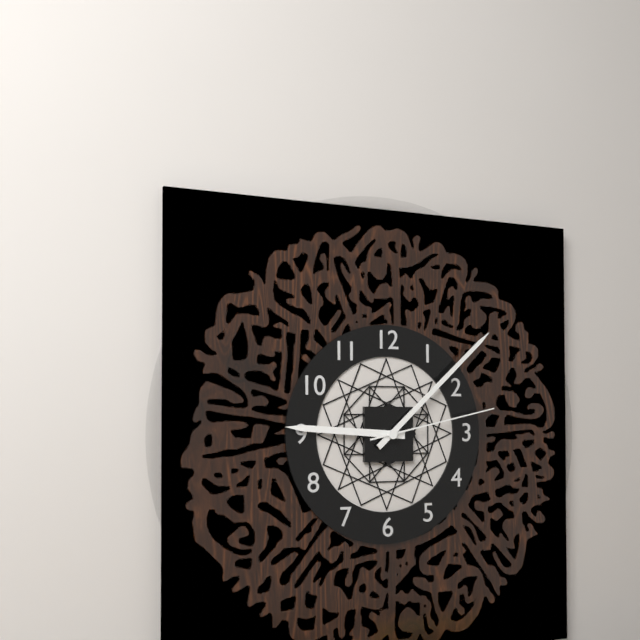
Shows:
9h08m13s
